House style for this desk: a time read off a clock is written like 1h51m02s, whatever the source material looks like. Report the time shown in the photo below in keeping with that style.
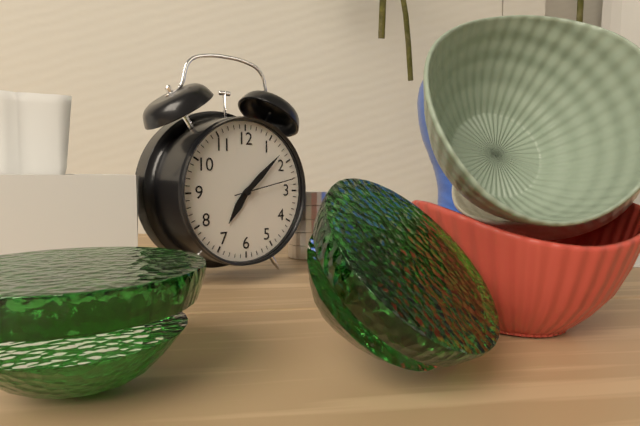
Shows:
7h08m13s
